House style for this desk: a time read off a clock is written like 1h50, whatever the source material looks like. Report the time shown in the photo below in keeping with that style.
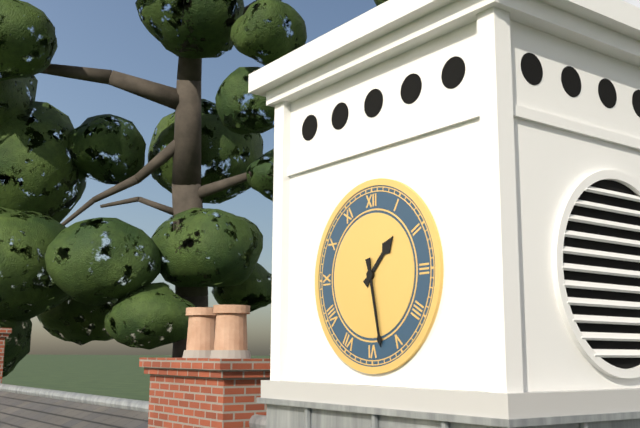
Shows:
1h28
